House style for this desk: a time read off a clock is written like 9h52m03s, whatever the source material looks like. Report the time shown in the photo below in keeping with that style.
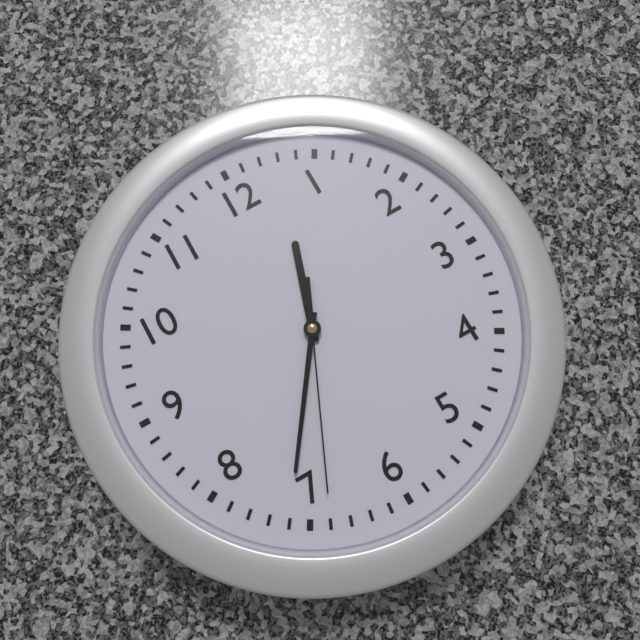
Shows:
12h36m34s
